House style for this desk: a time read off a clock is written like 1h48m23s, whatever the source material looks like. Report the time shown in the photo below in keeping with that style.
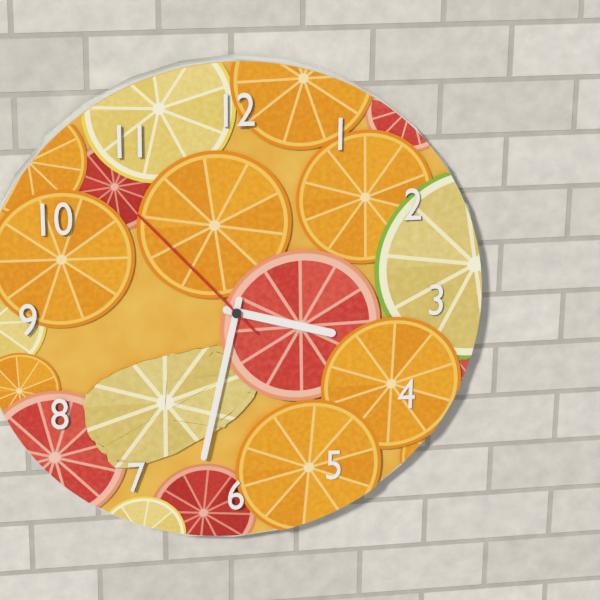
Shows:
3h32m53s
